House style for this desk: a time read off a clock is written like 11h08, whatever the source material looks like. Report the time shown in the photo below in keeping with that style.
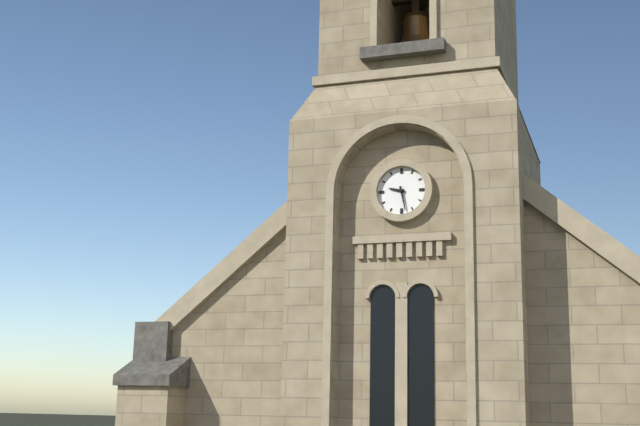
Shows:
9h28
